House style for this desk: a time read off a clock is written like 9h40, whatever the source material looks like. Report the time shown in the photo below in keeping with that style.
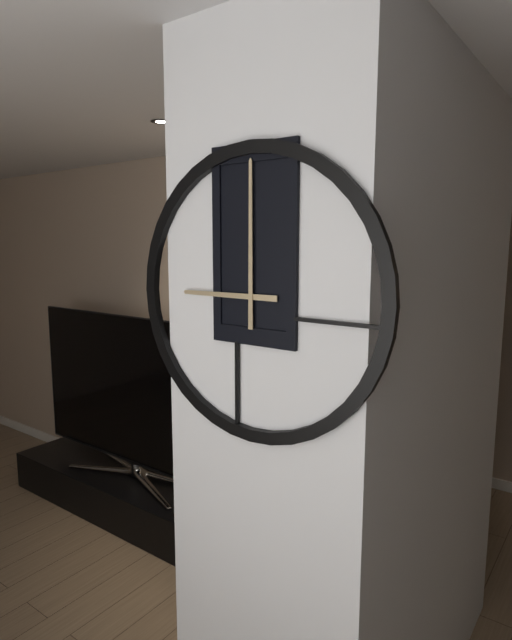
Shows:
9h00
